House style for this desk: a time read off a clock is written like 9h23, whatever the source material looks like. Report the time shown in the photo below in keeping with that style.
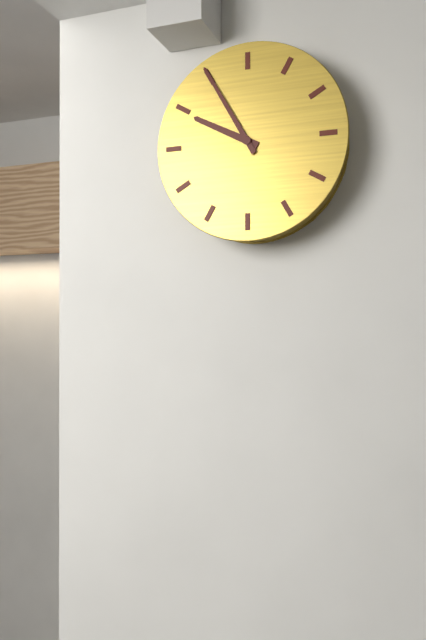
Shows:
9h55
